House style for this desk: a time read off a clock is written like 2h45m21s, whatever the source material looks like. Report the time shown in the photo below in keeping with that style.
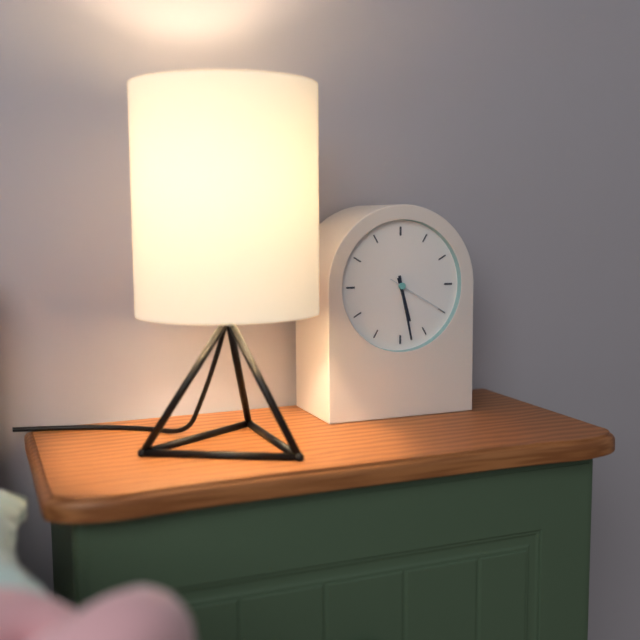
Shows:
5h28m20s
